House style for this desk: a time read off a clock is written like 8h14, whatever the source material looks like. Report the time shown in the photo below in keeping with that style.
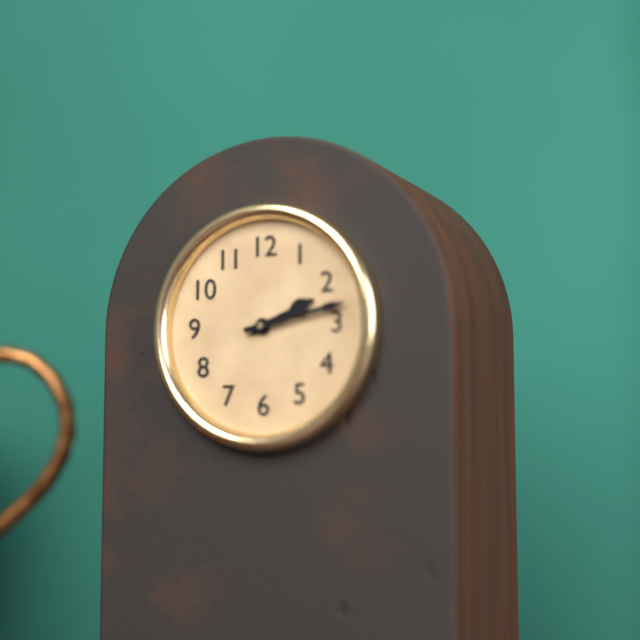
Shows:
2h13
